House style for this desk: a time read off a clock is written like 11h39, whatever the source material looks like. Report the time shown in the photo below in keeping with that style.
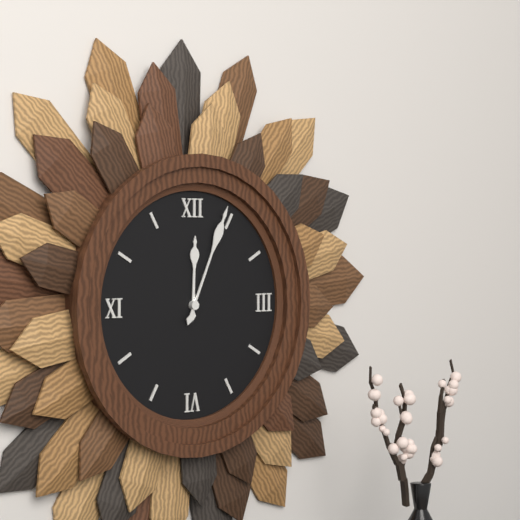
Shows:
12h04
